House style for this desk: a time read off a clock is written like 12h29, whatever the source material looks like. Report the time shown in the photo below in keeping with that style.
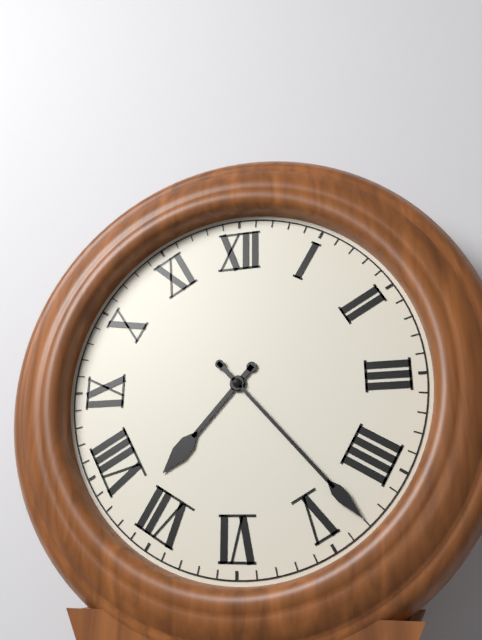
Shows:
7h23
